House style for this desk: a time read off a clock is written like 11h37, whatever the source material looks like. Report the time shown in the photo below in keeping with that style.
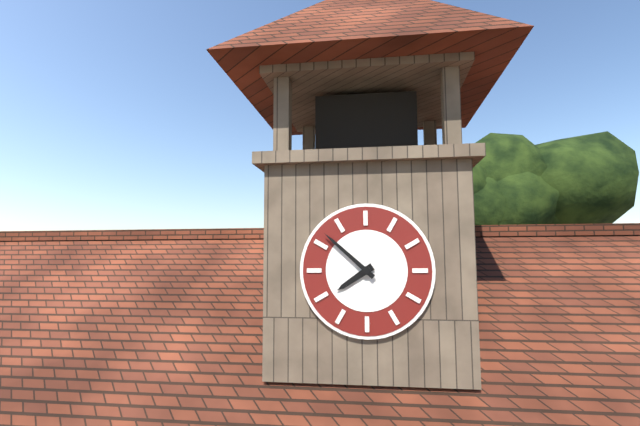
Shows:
7h52
